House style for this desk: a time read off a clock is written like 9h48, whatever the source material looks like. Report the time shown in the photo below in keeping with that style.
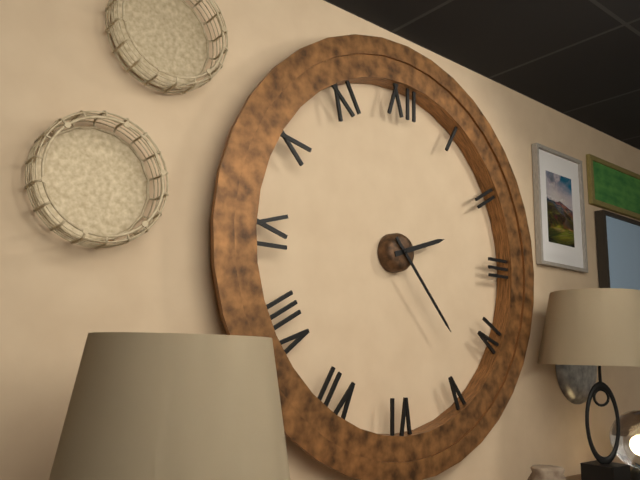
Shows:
2h23
